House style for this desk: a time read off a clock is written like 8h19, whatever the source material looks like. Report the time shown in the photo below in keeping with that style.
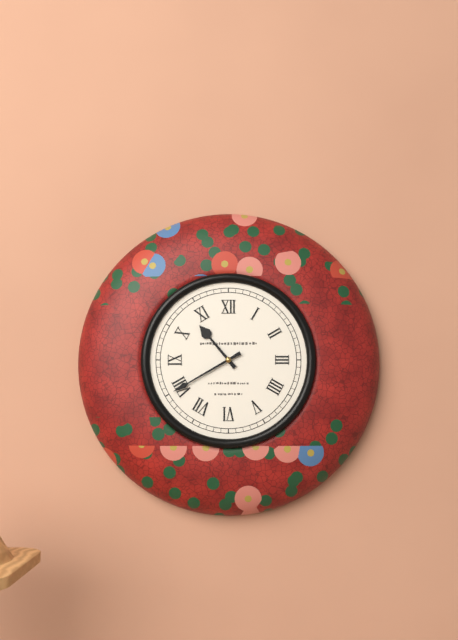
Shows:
10h40
